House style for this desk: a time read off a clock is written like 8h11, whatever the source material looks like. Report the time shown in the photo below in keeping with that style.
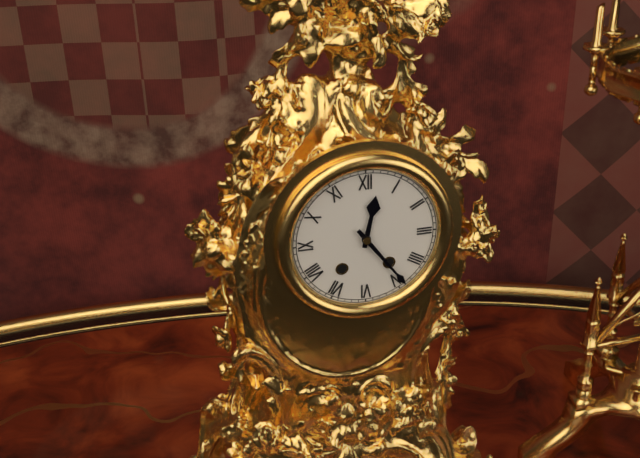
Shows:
12h24
